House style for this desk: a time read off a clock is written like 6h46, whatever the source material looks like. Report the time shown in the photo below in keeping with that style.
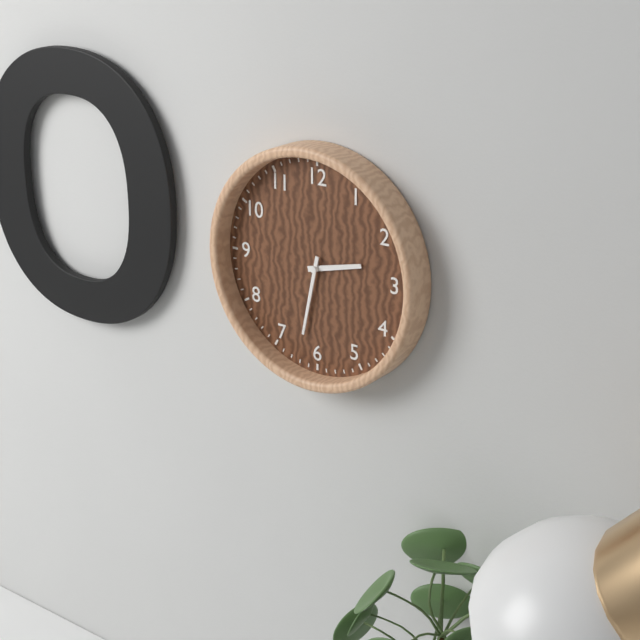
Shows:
2h32
